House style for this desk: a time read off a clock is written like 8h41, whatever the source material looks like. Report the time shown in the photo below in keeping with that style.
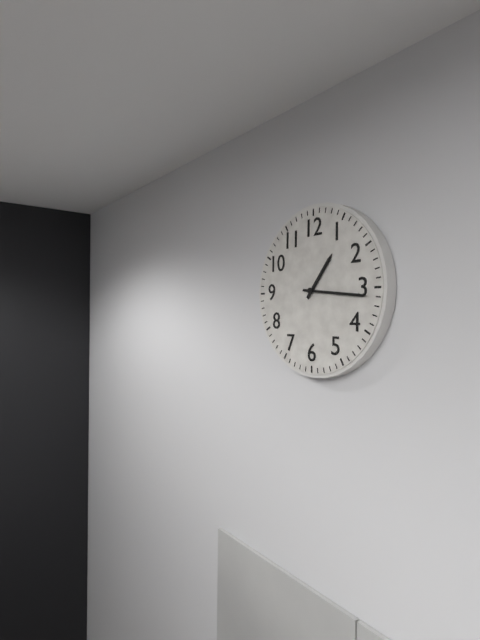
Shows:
1h16
